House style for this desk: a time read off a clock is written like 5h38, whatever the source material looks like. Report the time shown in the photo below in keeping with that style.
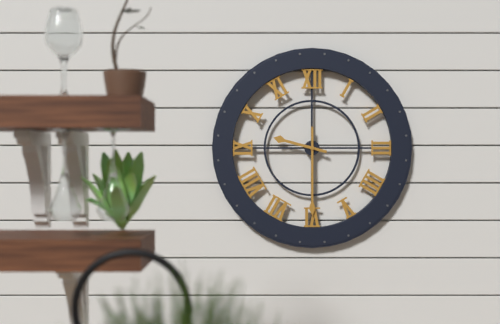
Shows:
9h30
